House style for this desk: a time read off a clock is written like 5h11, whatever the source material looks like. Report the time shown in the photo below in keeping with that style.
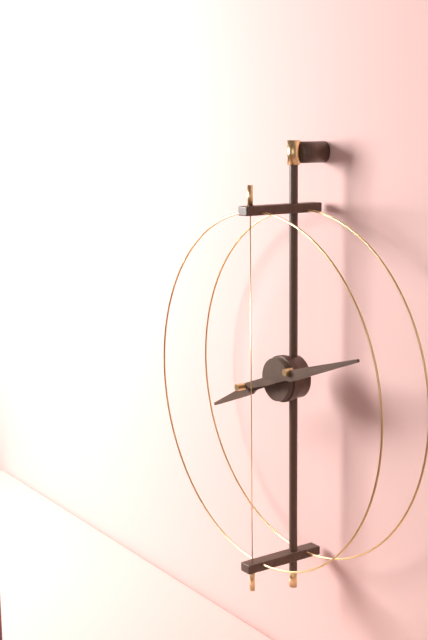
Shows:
8h12
